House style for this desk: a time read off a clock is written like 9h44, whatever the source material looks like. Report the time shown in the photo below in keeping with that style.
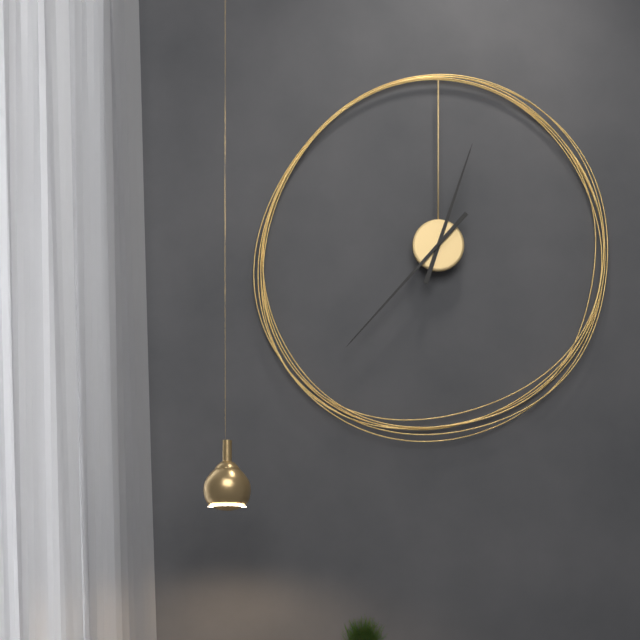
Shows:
12h37
